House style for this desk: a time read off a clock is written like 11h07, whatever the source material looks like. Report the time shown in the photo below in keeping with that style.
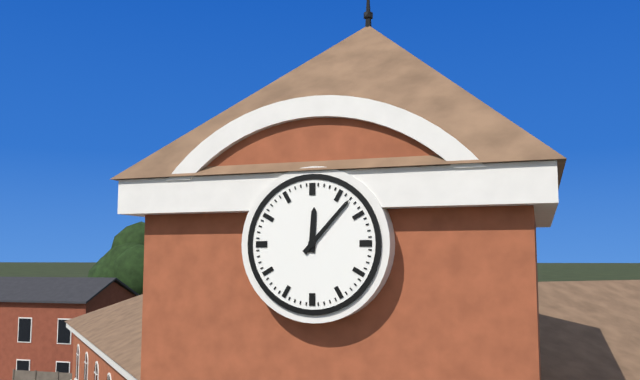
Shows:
12h07
